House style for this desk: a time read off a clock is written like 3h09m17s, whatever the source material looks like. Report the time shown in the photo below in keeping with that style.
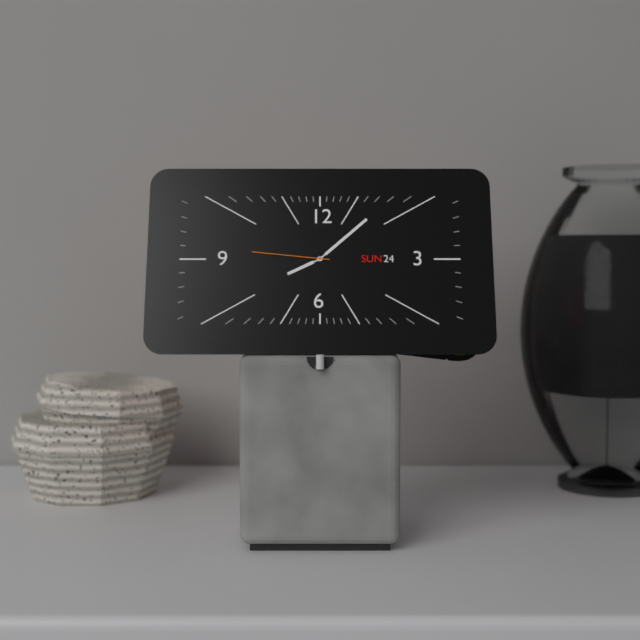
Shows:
8h08m46s
